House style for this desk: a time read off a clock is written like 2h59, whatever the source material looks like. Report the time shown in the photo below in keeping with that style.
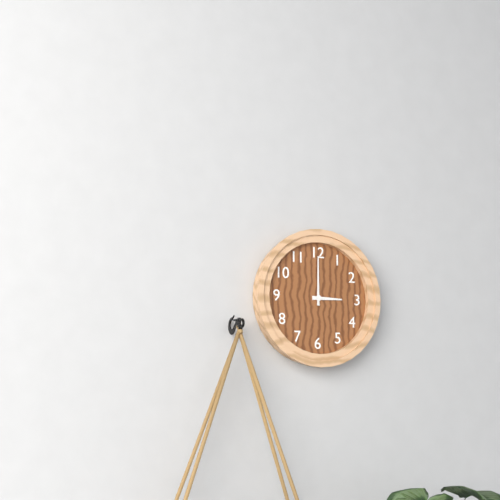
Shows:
3h00
